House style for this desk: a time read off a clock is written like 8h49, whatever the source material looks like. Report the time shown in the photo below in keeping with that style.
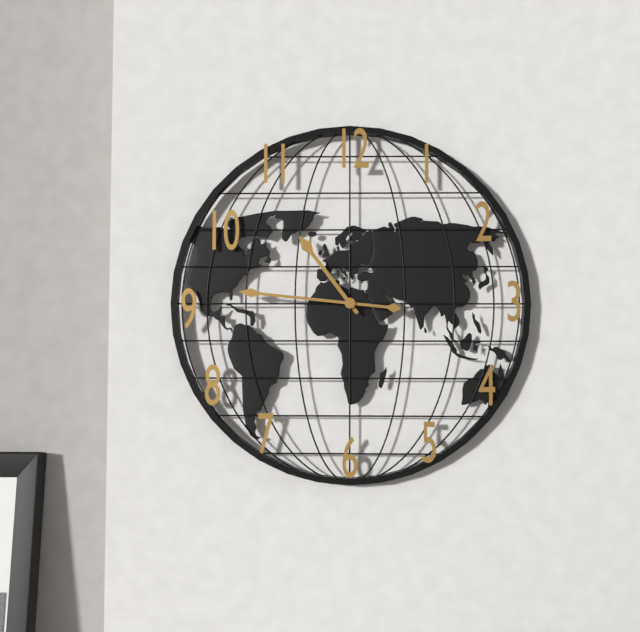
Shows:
10h46
